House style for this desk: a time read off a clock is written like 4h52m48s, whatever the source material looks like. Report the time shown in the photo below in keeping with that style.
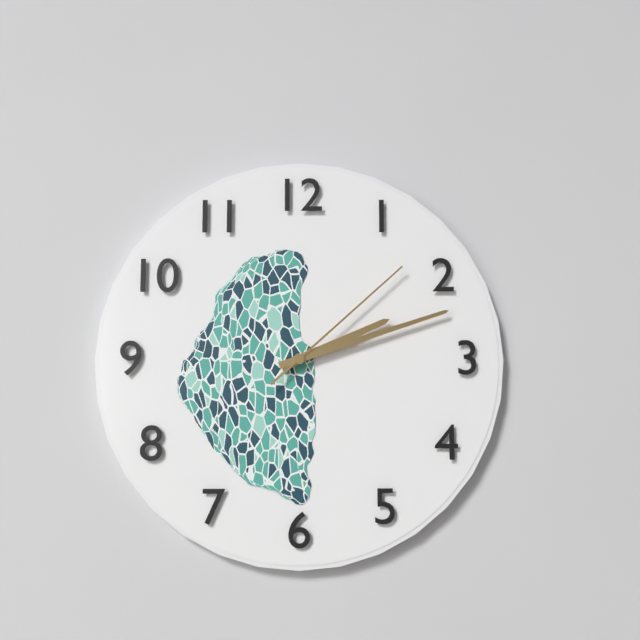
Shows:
2h12m08s
